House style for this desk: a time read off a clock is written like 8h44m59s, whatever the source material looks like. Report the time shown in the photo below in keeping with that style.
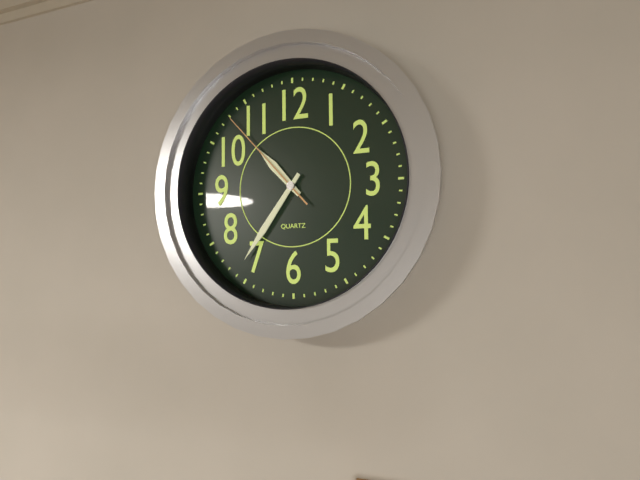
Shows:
10h36m53s
